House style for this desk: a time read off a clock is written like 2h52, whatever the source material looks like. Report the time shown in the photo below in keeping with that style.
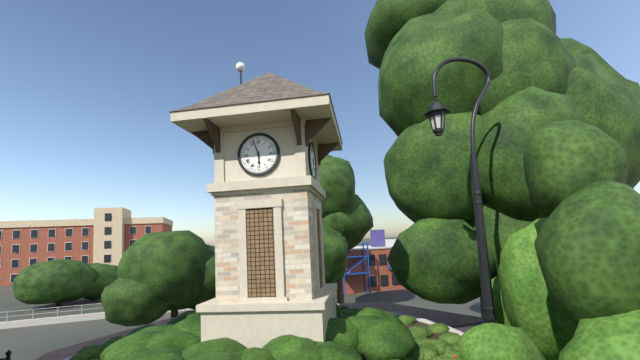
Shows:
5h57
